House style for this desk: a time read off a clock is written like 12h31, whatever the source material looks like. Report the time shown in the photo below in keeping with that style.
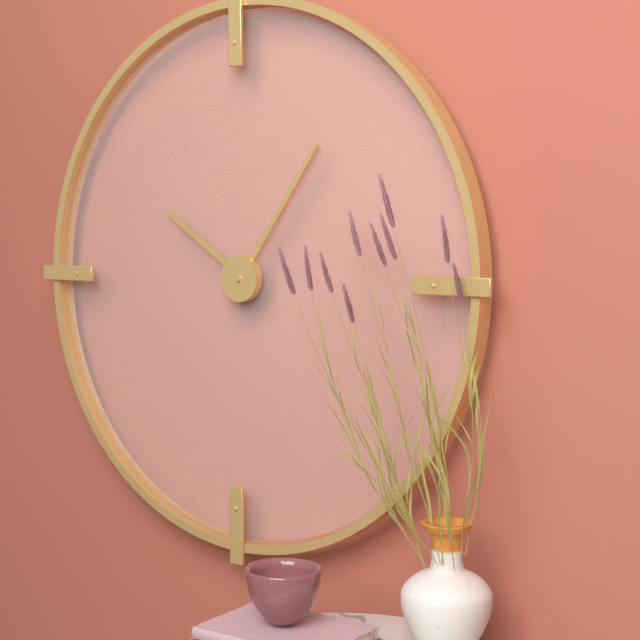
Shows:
10h06
